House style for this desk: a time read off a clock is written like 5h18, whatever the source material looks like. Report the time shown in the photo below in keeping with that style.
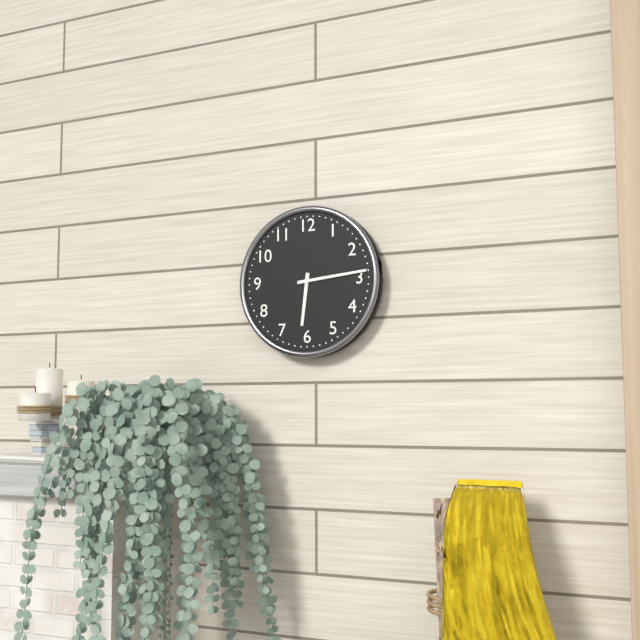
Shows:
6h14
